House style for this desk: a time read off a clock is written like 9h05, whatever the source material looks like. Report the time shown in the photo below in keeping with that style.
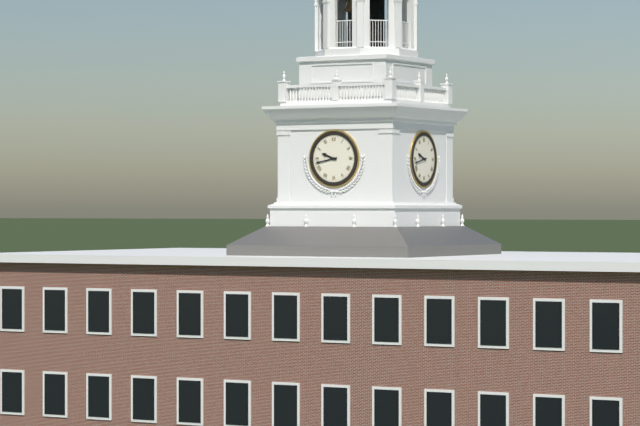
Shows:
9h43
